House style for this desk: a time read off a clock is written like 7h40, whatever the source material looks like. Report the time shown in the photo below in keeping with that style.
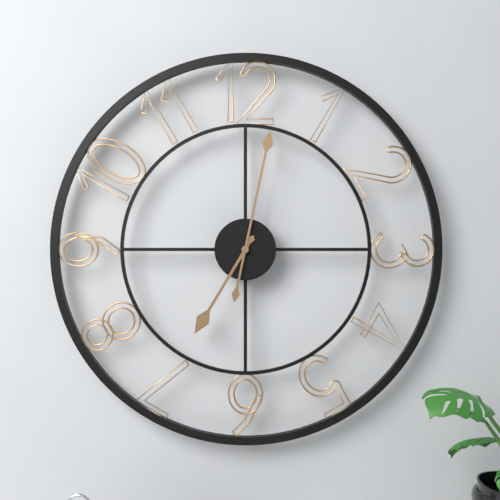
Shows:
7h02
